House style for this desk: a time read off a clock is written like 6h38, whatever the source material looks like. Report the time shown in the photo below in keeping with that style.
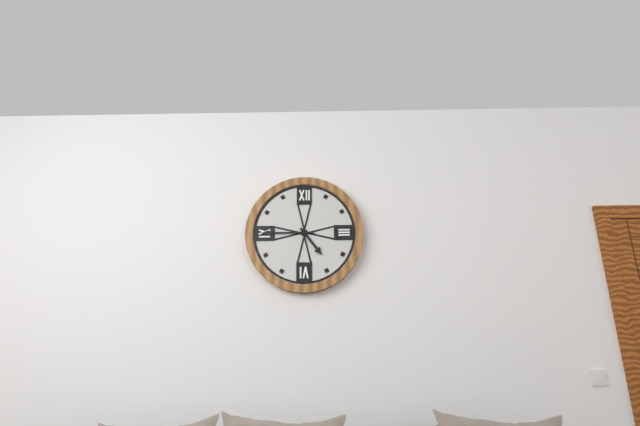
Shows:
4h45
